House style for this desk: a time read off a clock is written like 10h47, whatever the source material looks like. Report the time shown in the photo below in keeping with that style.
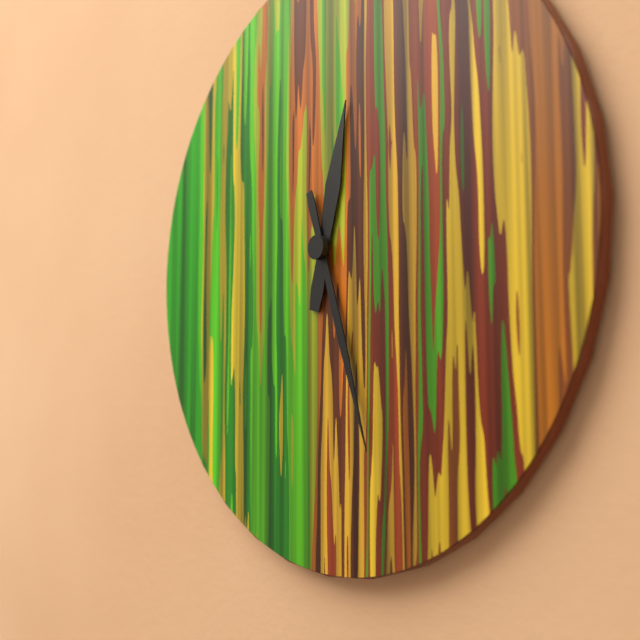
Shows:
12h27
